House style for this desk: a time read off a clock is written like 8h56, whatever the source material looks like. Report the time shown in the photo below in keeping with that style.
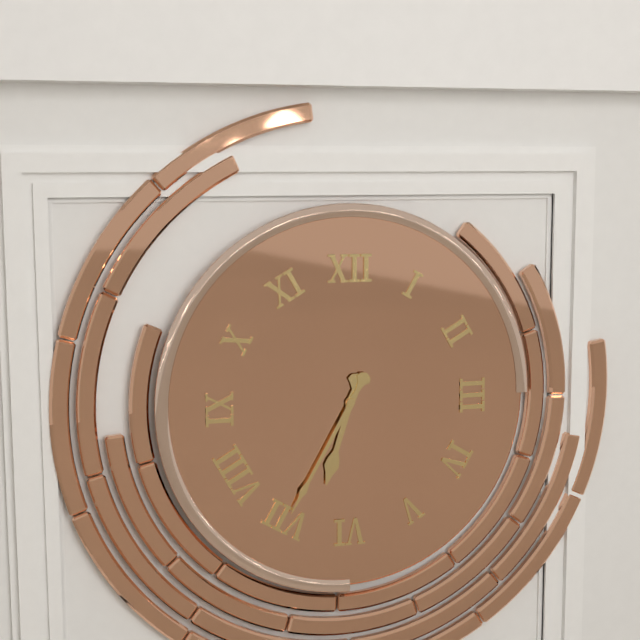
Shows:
6h35
